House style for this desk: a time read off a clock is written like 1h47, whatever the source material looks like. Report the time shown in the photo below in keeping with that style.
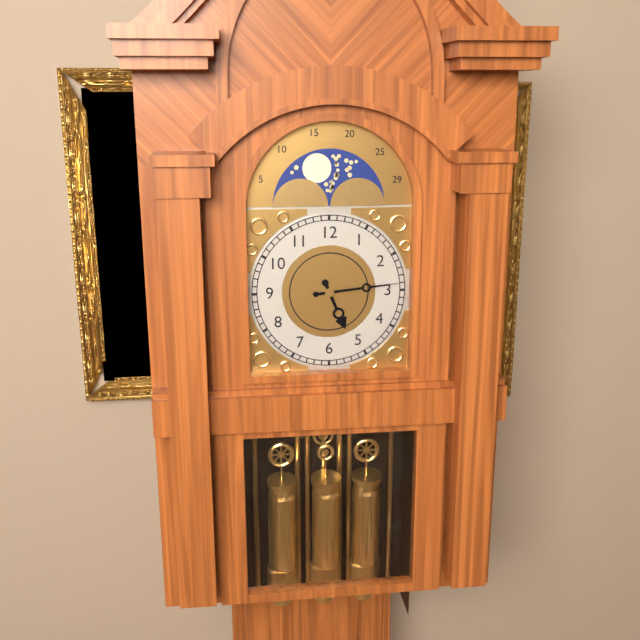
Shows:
5h14
